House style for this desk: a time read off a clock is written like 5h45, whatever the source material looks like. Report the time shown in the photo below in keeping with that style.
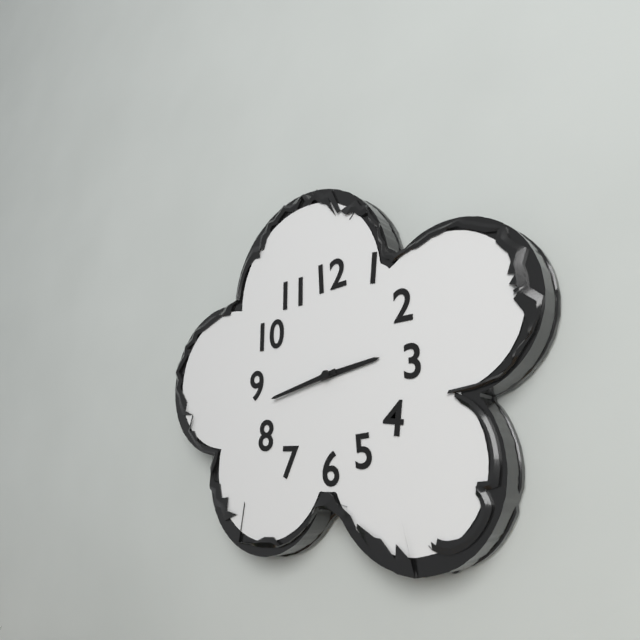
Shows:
2h43
